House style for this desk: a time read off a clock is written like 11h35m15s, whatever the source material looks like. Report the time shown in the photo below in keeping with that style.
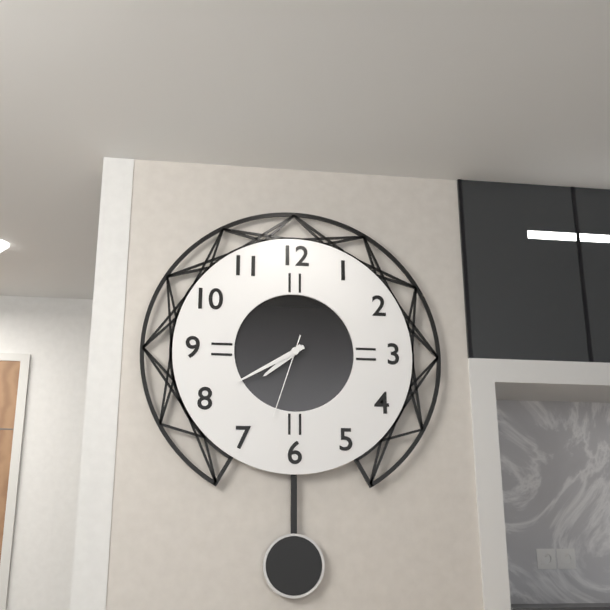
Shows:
7h40m33s
